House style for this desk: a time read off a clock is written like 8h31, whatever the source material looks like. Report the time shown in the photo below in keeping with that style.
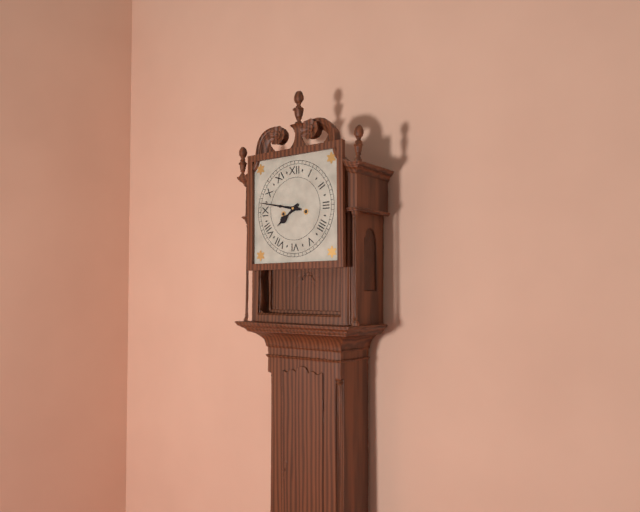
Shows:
7h47
